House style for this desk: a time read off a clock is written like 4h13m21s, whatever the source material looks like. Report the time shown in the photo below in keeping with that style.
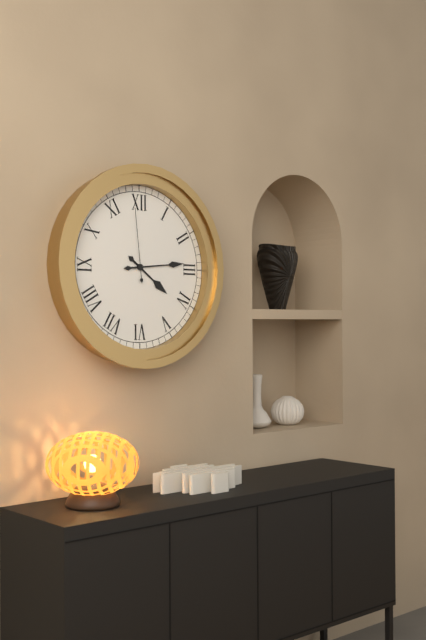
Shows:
4h14m59s
